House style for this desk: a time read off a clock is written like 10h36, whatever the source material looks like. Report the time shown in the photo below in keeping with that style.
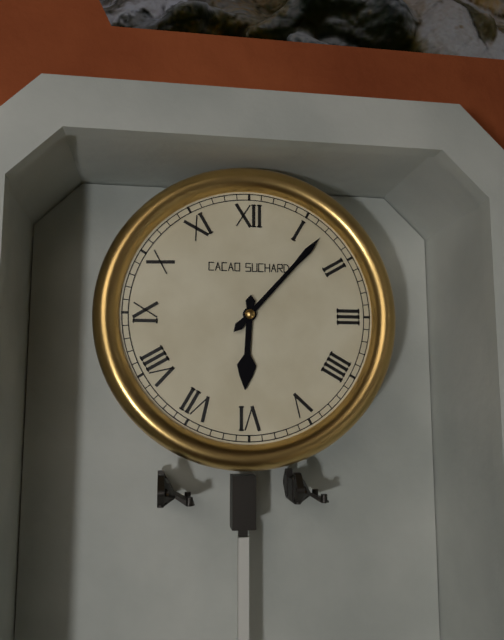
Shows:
6h07
